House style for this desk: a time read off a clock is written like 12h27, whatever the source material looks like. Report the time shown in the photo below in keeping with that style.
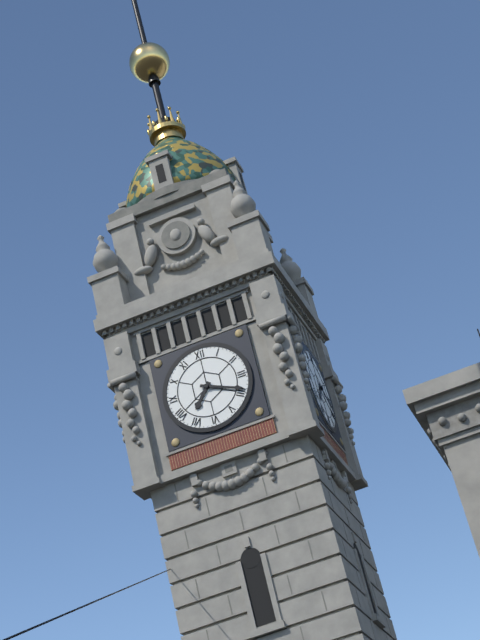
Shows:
7h19
